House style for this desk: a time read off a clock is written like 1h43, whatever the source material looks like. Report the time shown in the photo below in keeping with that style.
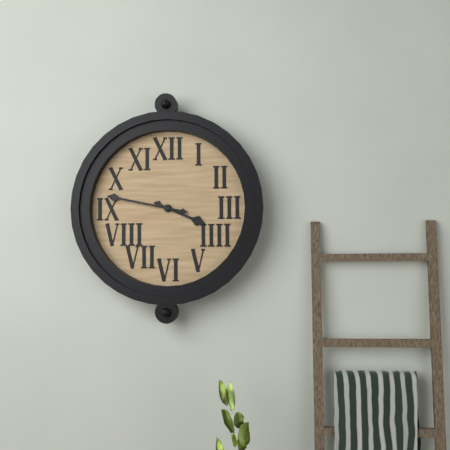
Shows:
3h47
